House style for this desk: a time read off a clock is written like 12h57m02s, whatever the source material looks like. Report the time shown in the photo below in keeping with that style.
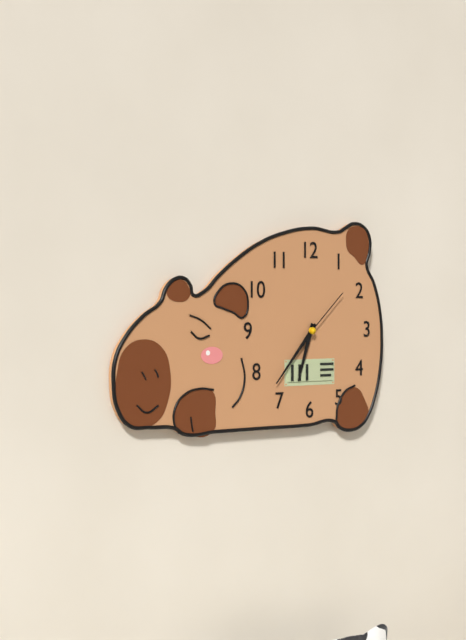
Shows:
6h37m08s
